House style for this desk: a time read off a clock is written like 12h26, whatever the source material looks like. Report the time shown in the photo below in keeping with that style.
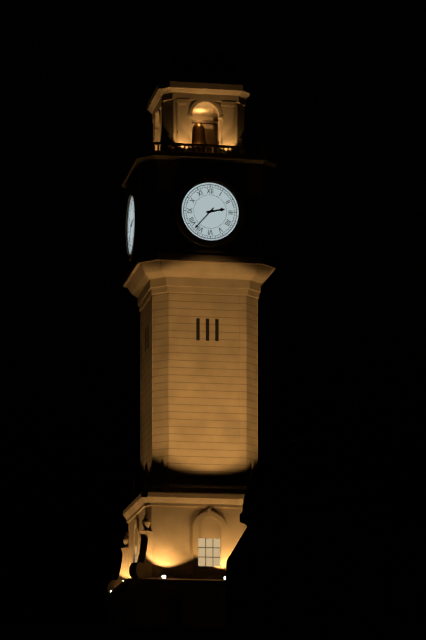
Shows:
2h37
